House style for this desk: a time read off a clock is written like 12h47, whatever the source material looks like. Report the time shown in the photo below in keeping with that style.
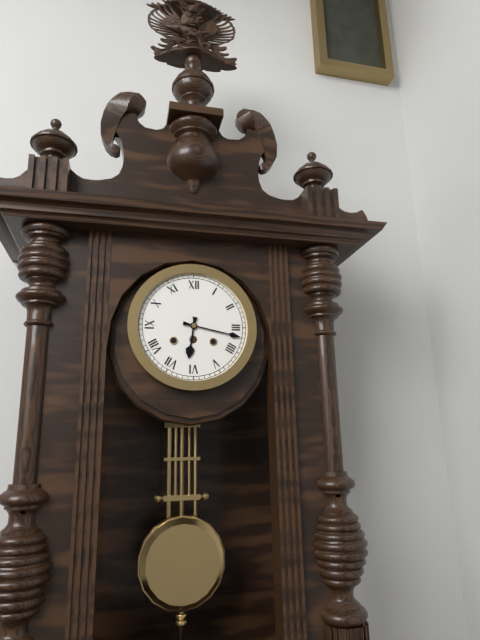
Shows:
6h17
